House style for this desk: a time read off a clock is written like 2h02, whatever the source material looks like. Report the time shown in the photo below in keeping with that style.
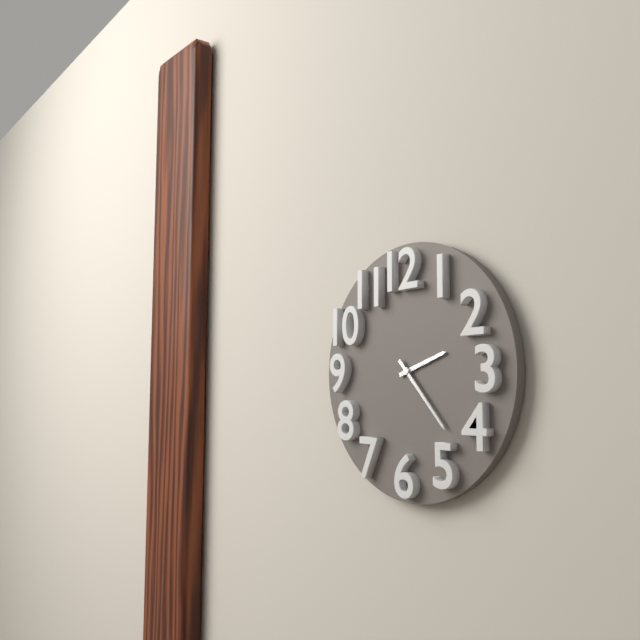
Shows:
2h23
